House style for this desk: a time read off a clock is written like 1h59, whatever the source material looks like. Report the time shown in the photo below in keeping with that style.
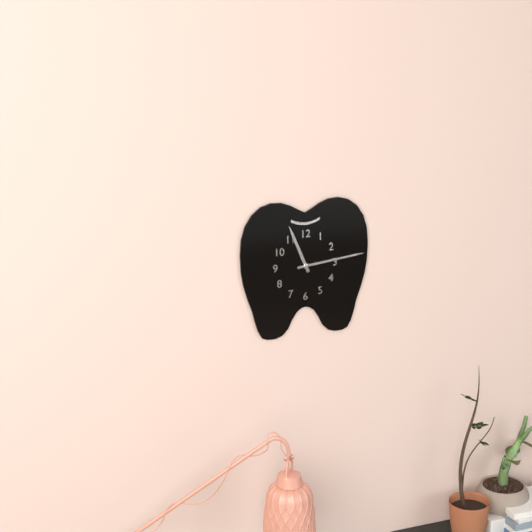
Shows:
11h14
